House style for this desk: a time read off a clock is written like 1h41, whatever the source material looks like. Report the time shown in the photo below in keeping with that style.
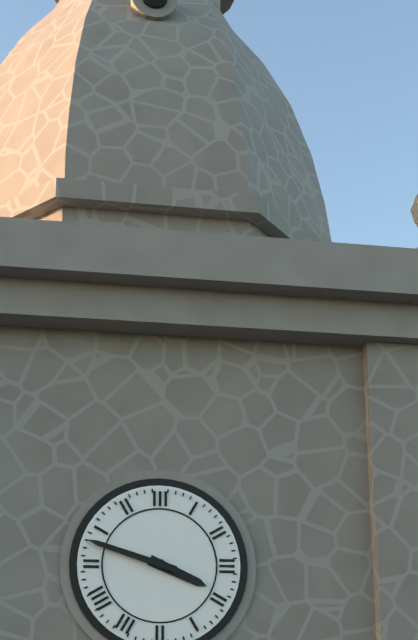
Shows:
3h48
